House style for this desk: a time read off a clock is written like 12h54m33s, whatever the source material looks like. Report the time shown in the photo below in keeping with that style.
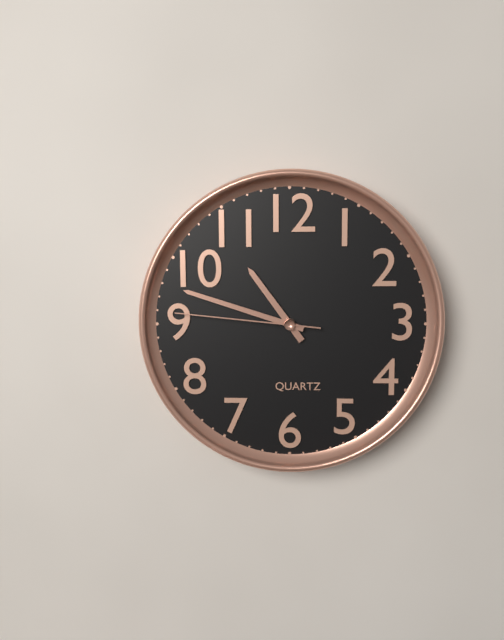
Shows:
10h48m46s
